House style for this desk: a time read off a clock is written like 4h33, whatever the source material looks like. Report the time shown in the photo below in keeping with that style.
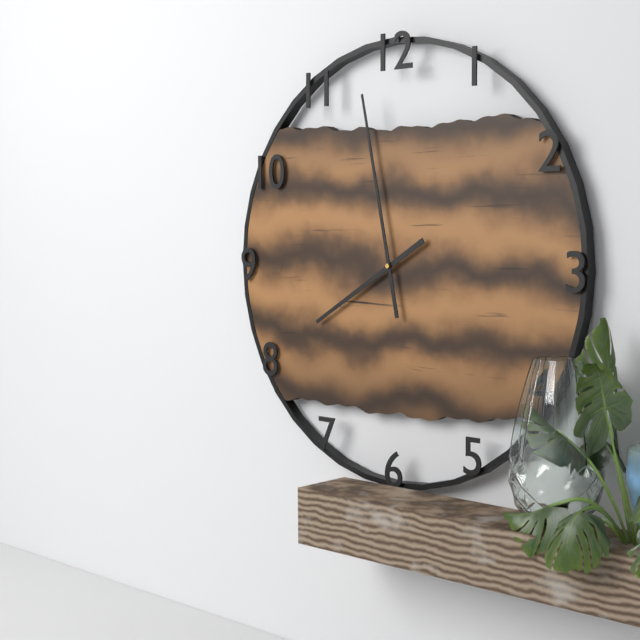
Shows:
7h58
